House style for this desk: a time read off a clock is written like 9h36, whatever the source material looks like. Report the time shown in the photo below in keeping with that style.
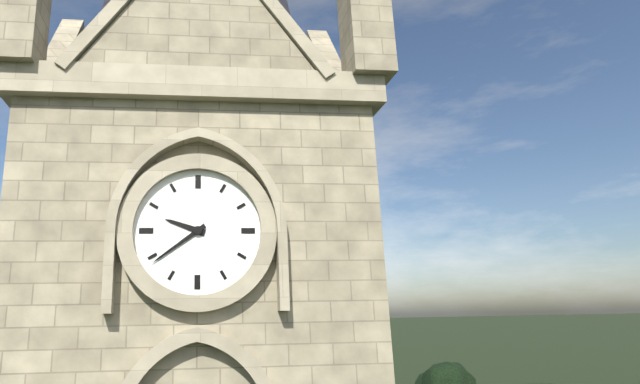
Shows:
9h39
